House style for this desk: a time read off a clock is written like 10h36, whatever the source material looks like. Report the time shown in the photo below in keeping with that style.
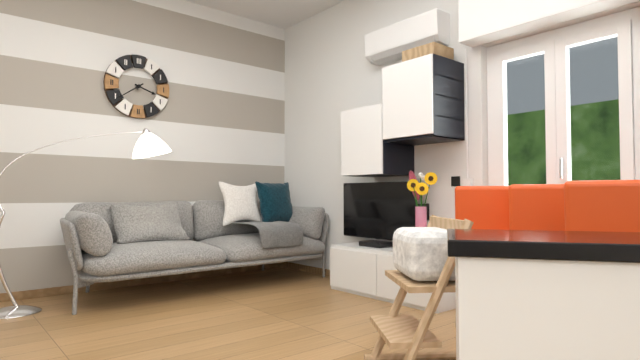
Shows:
3h39
